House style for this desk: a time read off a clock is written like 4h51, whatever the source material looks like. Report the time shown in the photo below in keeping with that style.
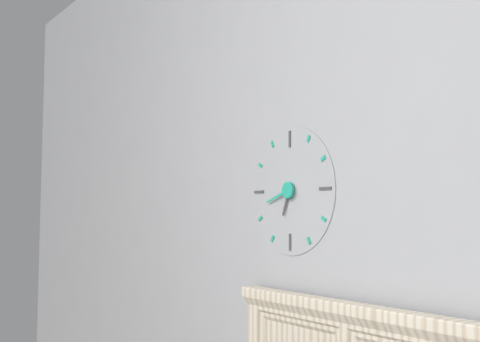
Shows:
6h42
